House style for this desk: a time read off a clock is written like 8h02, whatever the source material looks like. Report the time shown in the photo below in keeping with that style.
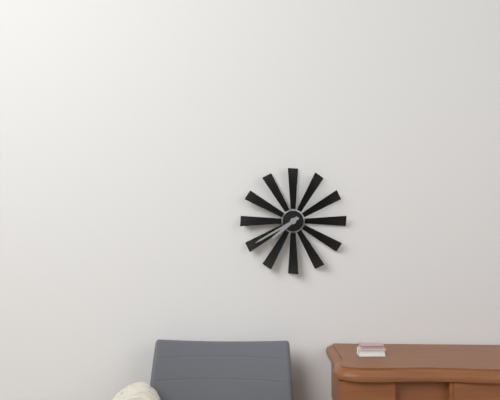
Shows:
7h40
